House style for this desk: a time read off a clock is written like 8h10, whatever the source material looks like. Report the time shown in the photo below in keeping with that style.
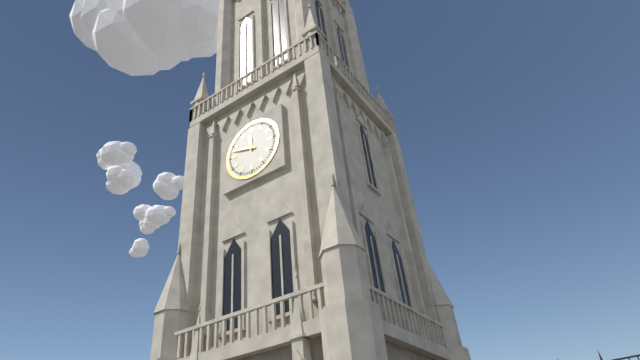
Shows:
11h48
